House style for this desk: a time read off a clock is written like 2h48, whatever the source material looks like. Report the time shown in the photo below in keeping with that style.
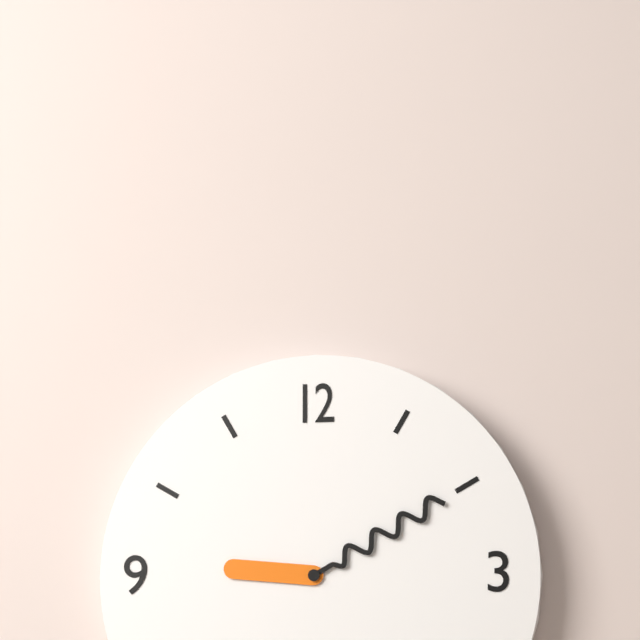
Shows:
9h10
